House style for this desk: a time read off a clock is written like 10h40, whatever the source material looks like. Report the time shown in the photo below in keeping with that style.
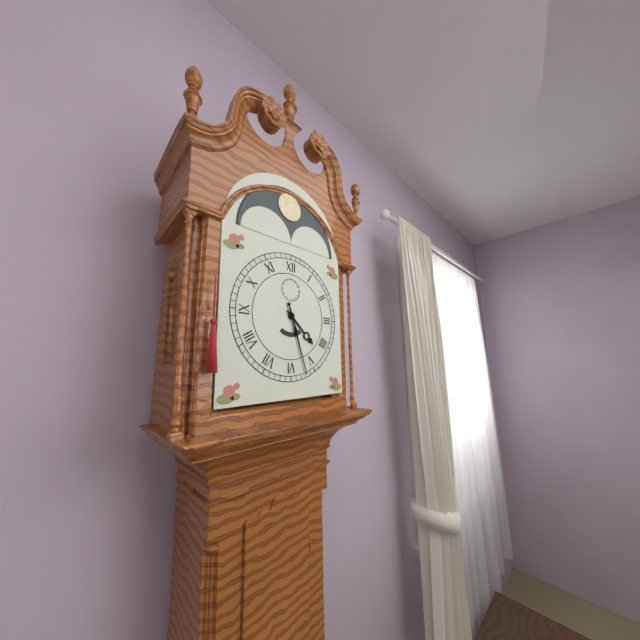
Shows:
4h27
